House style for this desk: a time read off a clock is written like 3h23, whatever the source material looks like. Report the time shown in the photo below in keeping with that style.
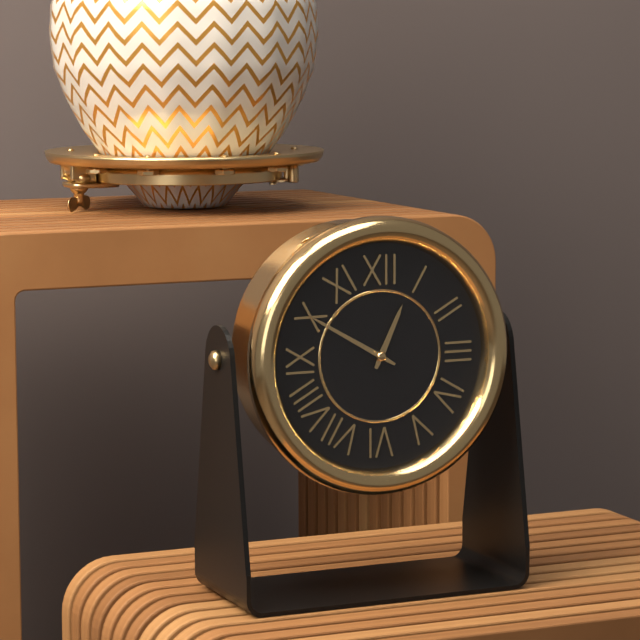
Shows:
12h50
